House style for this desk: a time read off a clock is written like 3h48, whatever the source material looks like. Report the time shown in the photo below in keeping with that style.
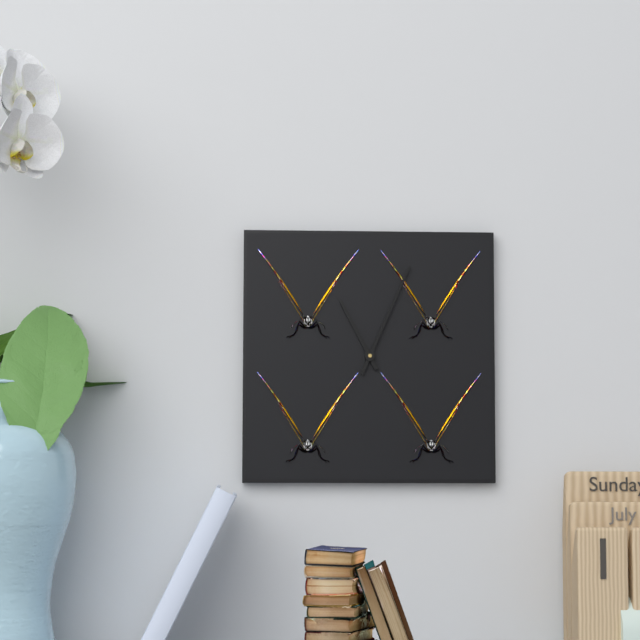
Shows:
11h04
